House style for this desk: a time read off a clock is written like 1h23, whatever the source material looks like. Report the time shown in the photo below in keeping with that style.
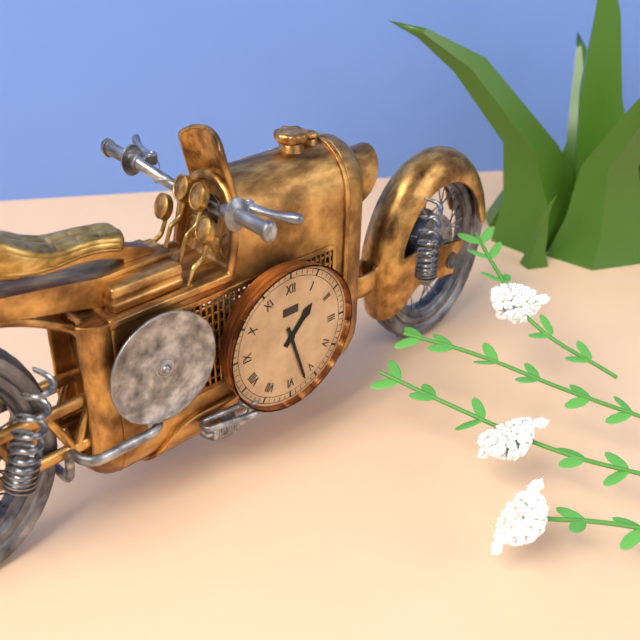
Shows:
1h27
